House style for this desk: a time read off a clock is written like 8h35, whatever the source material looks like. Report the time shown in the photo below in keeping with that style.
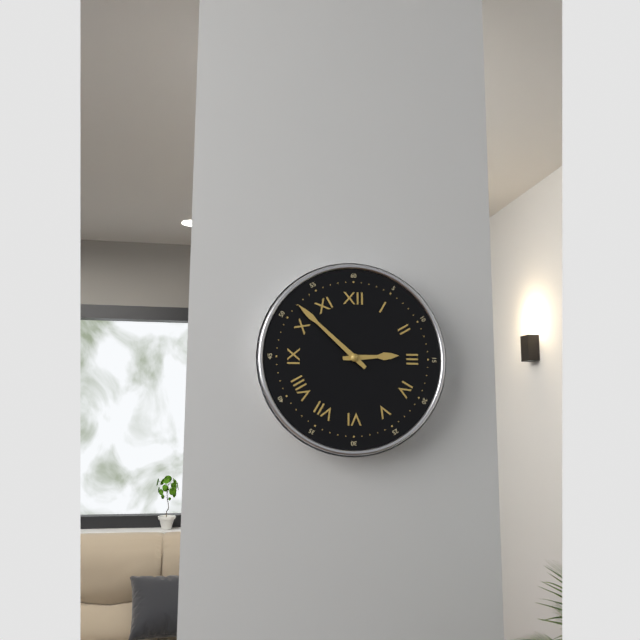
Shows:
2h52
